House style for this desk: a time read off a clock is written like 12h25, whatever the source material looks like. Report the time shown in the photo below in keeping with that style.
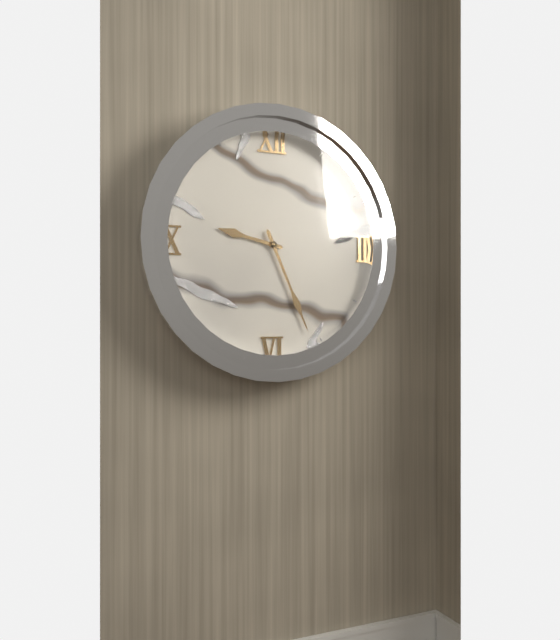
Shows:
9h26
